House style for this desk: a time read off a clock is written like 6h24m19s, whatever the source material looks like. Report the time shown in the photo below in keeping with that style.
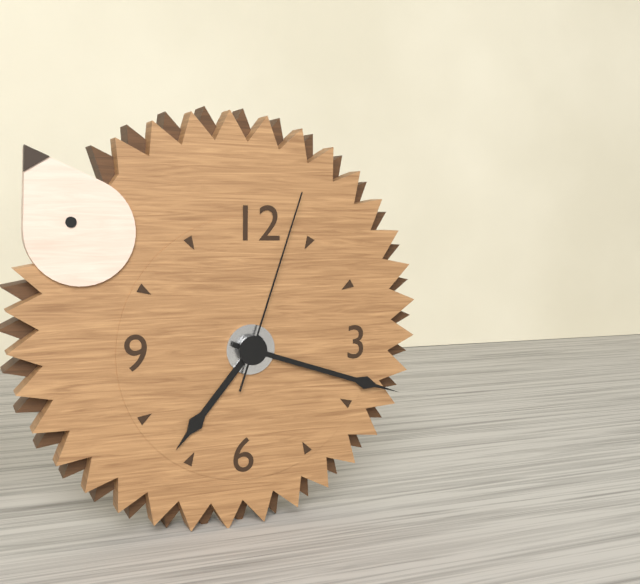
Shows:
7h18m03s
